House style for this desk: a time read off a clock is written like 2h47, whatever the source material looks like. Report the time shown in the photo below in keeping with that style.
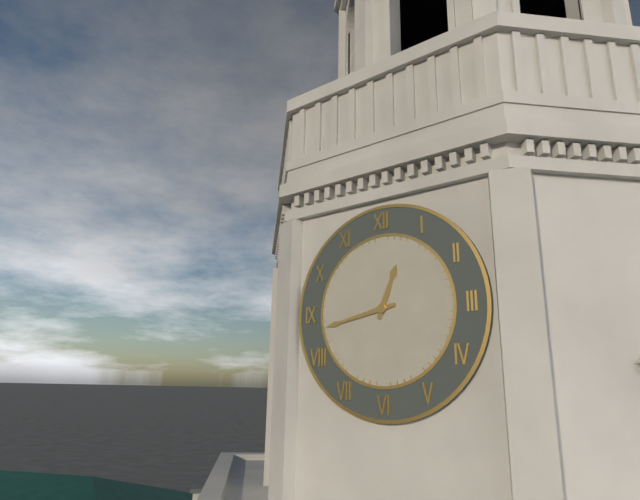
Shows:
12h43
